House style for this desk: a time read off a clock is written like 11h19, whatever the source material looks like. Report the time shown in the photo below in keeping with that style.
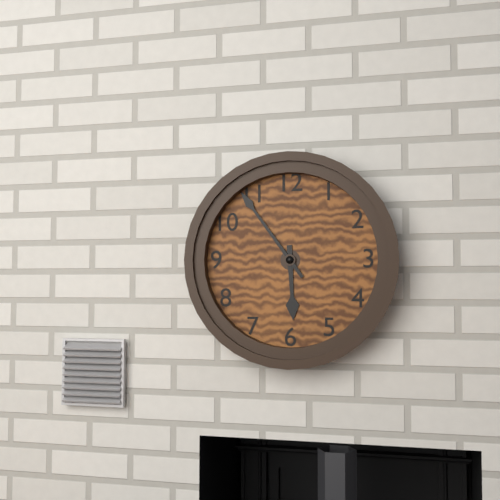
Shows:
5h54
